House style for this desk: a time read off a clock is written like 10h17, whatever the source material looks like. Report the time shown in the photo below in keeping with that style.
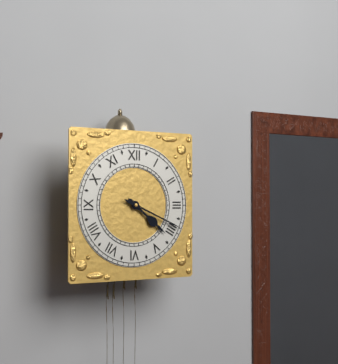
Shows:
4h19
